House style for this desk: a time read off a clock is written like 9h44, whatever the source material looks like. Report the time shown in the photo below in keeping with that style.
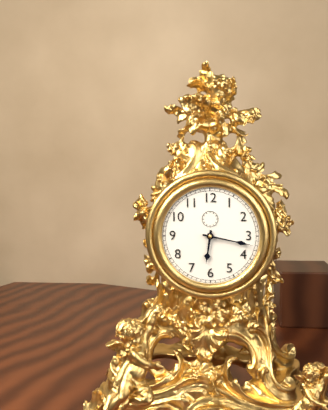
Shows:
6h17
